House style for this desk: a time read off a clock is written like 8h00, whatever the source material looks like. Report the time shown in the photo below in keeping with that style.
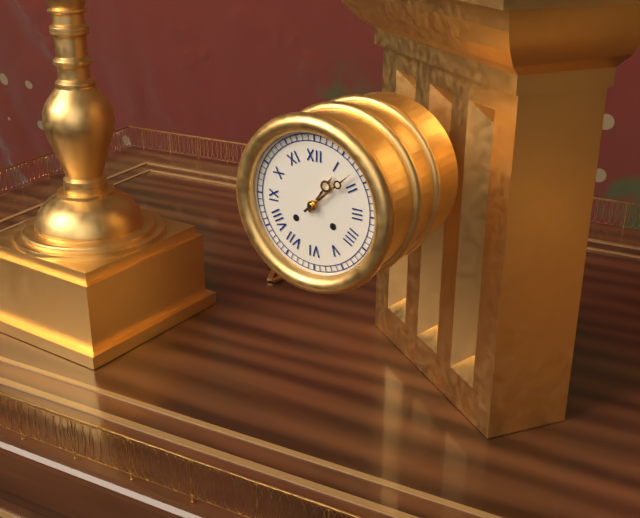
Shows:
1h08
